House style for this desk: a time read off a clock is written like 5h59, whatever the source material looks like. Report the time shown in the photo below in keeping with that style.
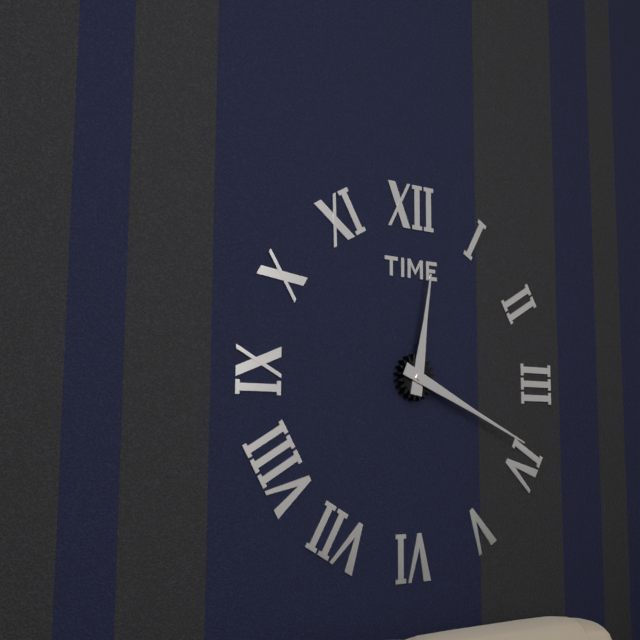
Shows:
12h19
